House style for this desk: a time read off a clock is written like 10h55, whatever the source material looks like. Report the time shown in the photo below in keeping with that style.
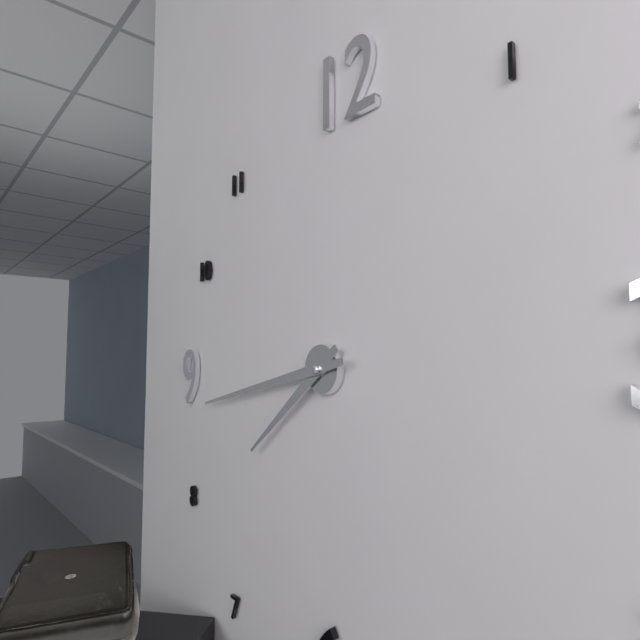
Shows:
7h43
